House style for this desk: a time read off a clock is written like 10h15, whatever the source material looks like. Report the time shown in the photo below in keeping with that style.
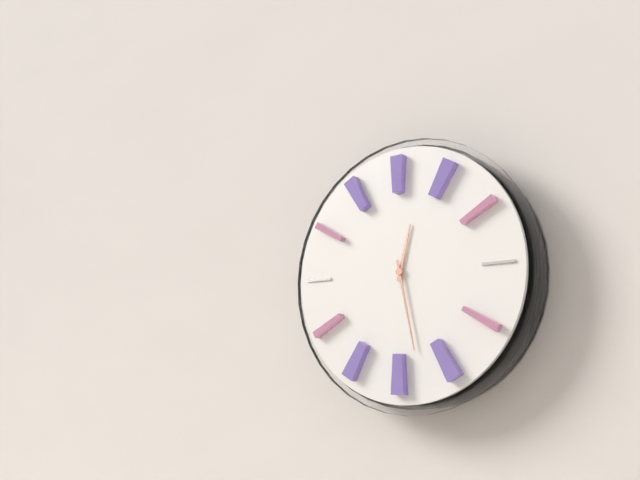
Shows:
12h28
